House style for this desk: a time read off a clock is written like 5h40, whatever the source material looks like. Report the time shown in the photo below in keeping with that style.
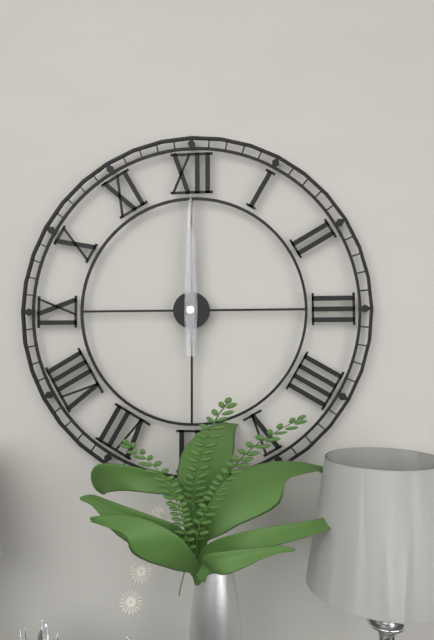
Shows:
12h00
